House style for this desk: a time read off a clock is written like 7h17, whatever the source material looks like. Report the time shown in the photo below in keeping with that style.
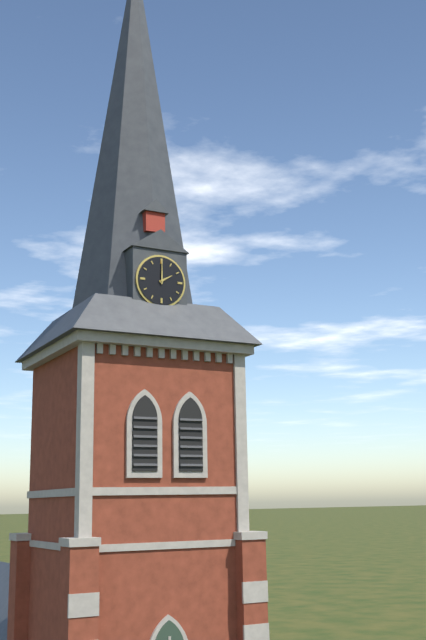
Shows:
2h00
